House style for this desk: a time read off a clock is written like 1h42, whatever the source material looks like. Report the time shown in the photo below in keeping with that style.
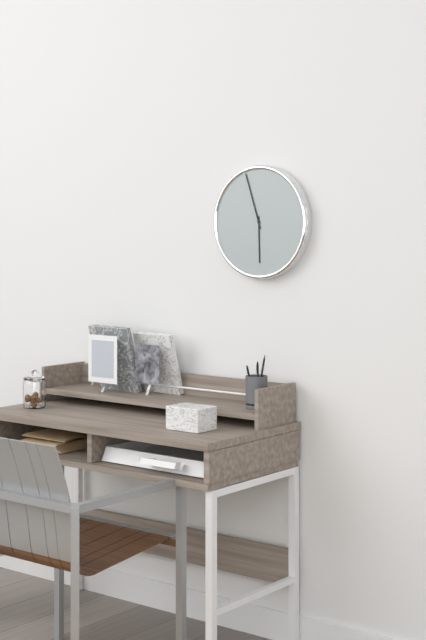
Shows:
5h57
